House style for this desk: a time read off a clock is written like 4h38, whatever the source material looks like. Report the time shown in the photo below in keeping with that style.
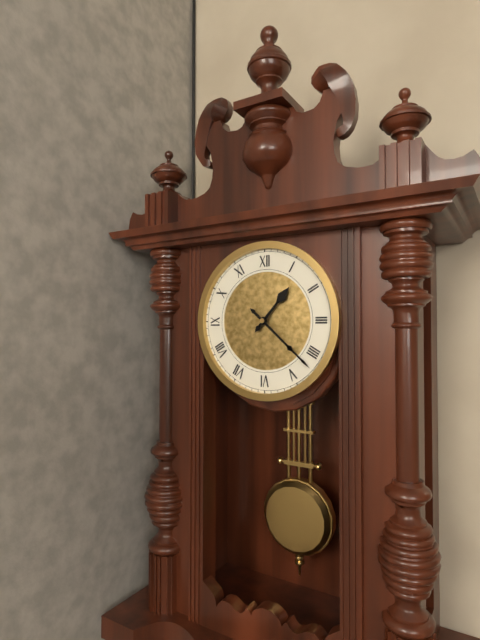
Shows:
1h22
